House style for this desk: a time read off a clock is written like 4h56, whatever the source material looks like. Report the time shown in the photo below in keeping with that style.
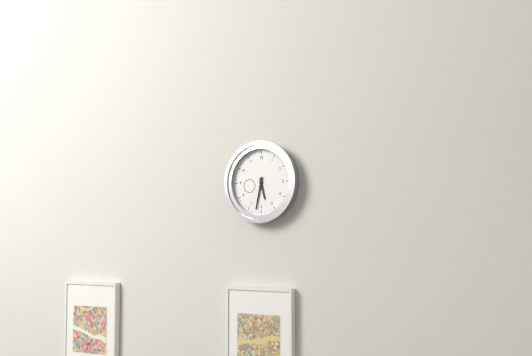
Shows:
5h32
